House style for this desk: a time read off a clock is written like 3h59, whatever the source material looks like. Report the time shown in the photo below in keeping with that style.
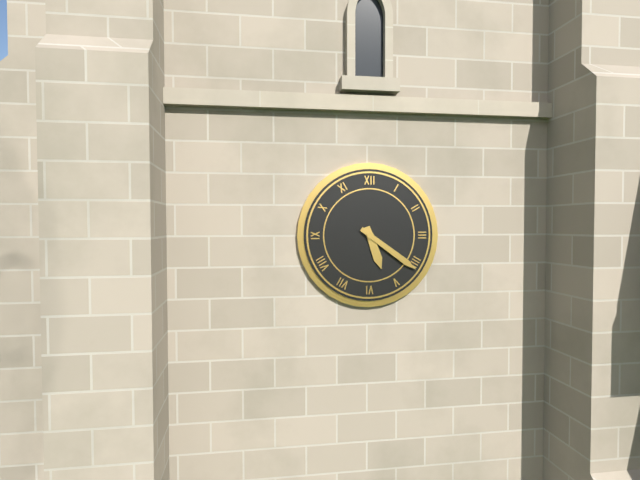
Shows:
5h21
